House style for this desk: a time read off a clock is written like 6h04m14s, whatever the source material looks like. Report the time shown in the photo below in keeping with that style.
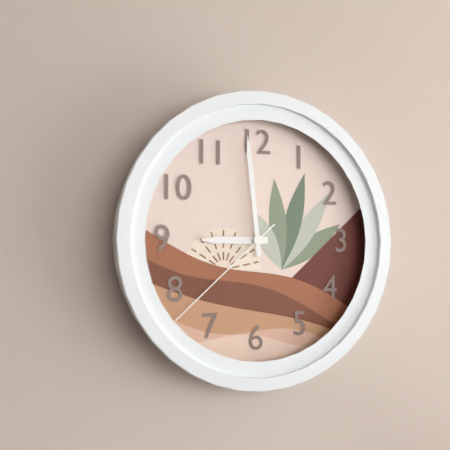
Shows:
8h59m38s
